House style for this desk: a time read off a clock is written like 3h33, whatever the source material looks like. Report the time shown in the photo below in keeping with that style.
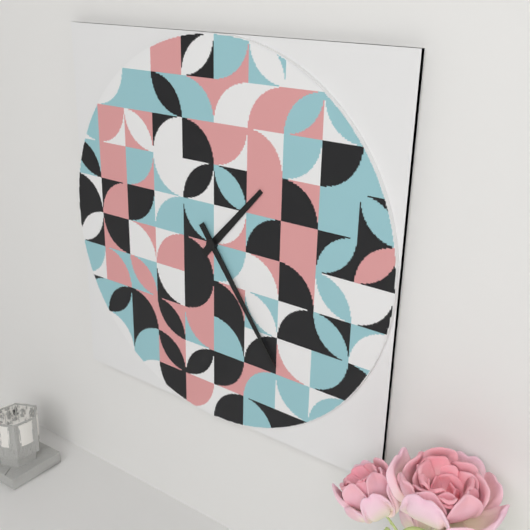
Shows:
1h24
